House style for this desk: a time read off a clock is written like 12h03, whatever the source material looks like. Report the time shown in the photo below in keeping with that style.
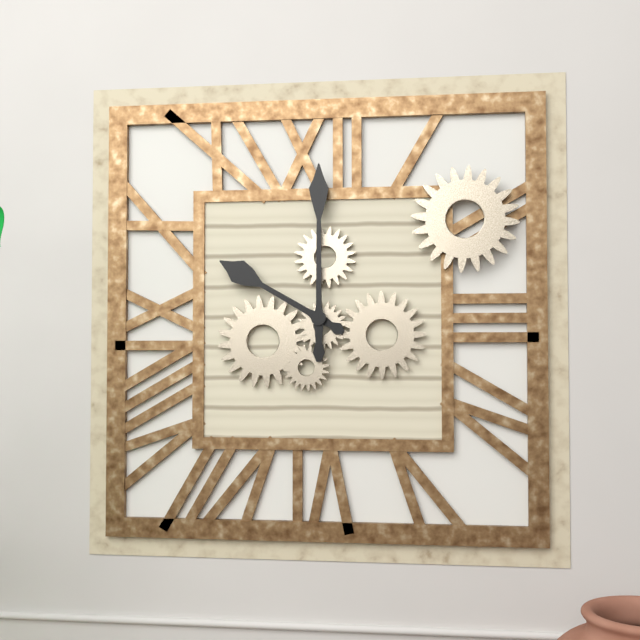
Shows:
10h00
